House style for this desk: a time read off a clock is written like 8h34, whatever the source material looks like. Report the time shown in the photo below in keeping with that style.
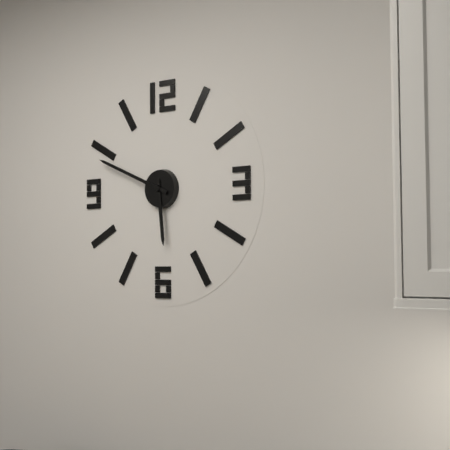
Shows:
5h49
